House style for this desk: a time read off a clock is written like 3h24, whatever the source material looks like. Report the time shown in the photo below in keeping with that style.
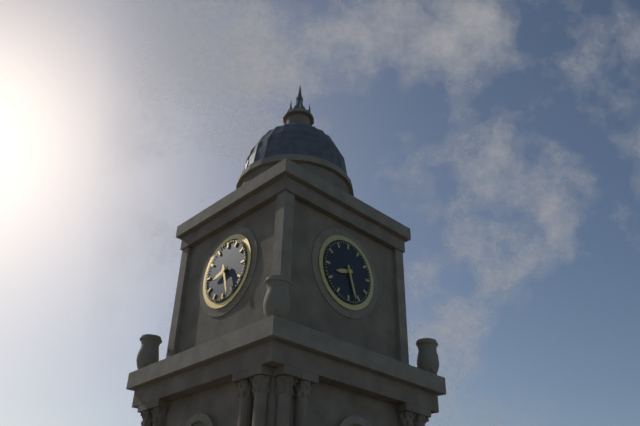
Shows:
8h27
